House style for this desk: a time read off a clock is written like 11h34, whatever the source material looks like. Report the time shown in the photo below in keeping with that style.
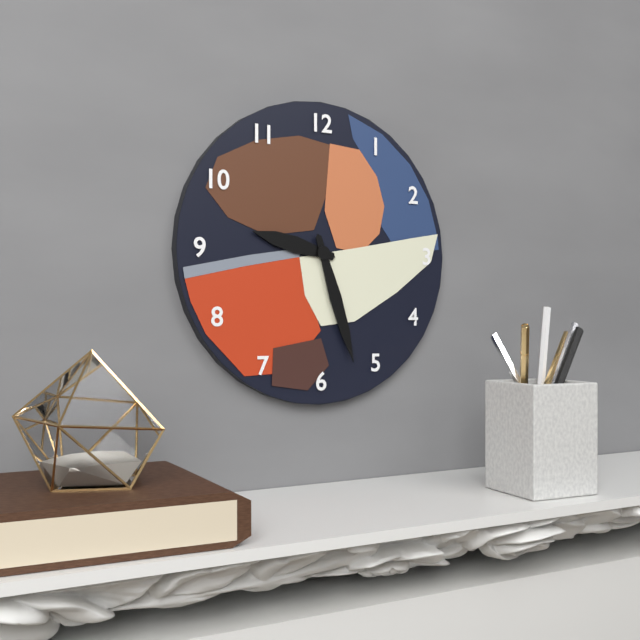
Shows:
9h27
